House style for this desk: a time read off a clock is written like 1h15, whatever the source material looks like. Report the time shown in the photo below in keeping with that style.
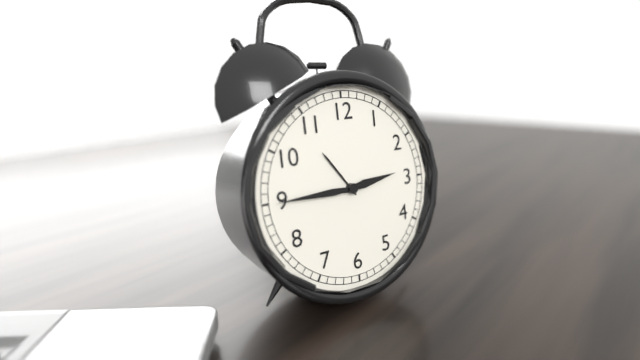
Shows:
2h45
